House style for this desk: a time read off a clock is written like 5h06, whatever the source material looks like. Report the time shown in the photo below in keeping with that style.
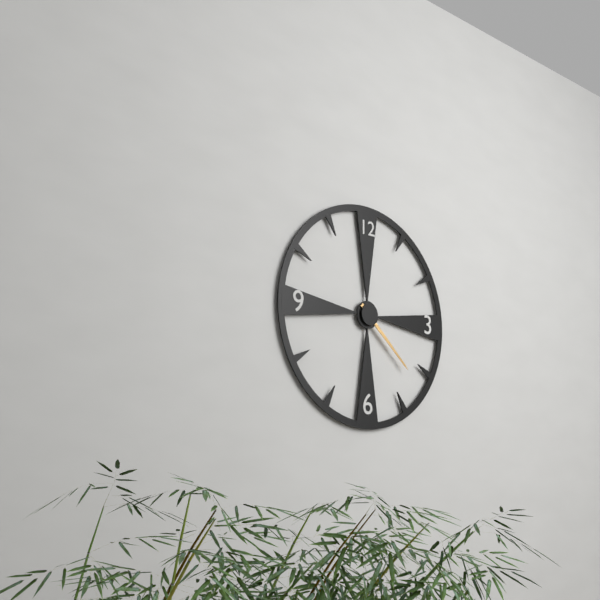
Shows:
4h22
